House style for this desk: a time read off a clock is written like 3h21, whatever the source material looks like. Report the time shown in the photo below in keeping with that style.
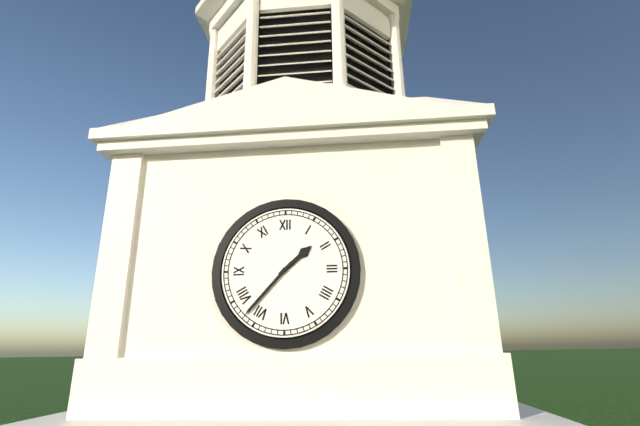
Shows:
1h37
